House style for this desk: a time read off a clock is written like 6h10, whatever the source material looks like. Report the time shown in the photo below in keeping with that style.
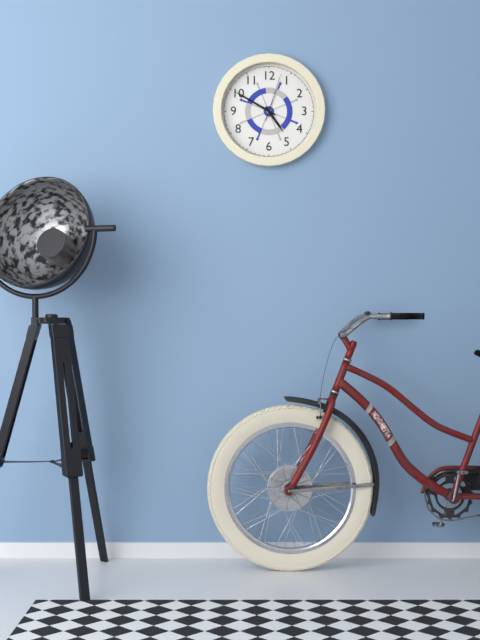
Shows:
4h50
